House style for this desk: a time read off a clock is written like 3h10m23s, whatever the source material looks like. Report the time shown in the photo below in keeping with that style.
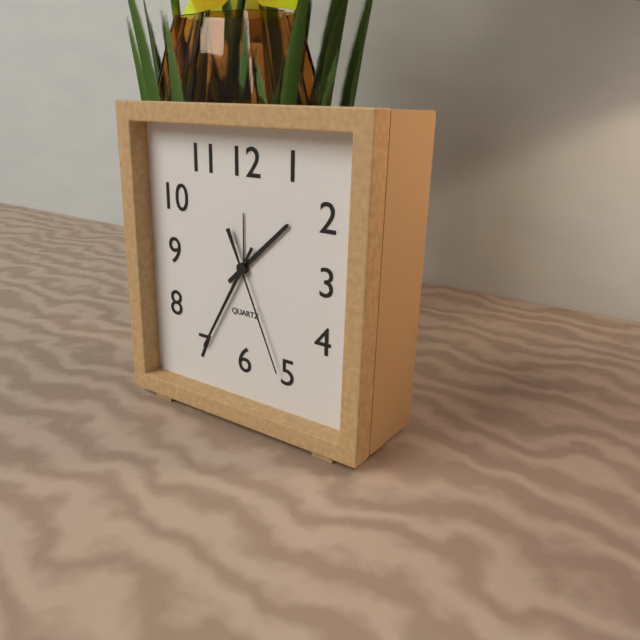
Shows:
1h35m26s
